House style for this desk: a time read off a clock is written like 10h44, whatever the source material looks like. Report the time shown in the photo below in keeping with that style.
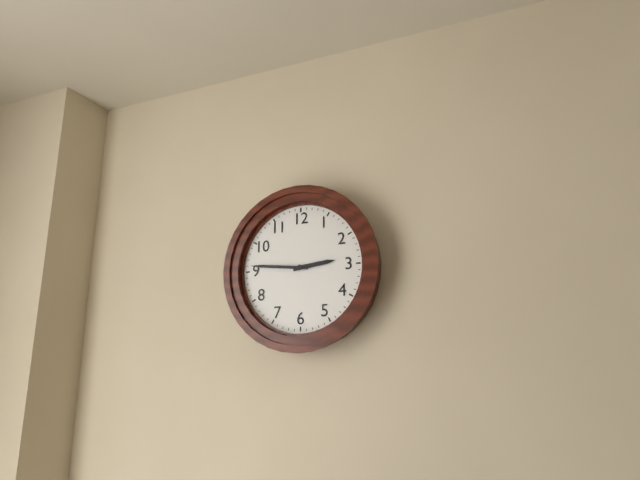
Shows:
2h46
